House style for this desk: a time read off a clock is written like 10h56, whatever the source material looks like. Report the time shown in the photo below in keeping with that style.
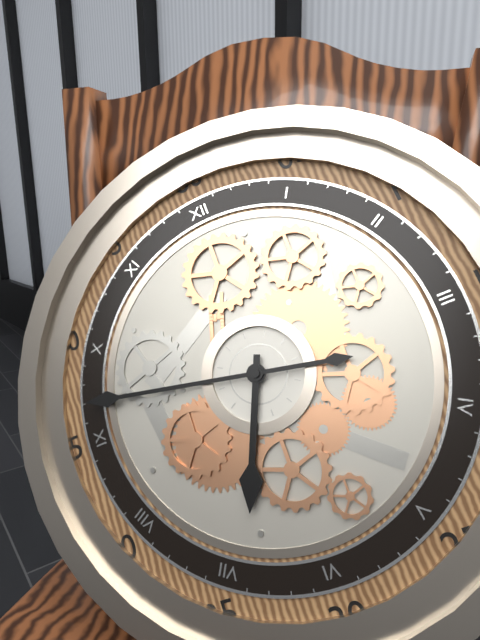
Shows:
6h47
